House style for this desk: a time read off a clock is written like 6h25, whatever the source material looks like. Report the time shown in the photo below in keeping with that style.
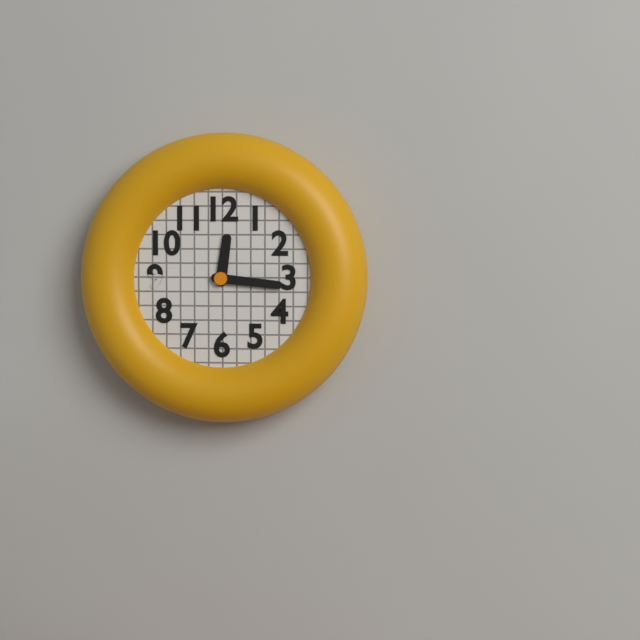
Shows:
12h16
